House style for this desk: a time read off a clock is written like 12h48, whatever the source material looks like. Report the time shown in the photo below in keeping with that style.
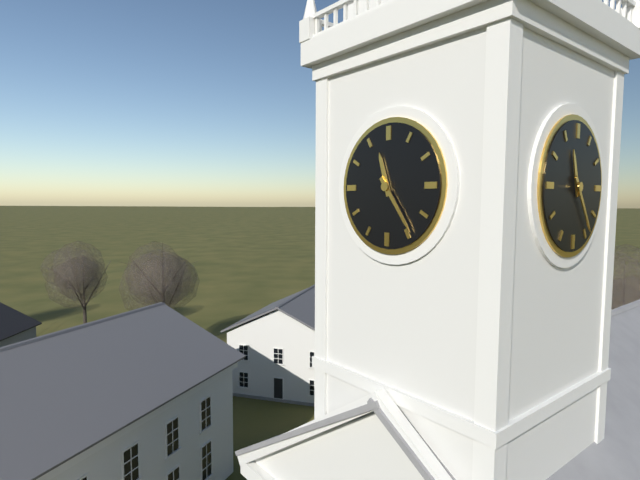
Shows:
11h24
